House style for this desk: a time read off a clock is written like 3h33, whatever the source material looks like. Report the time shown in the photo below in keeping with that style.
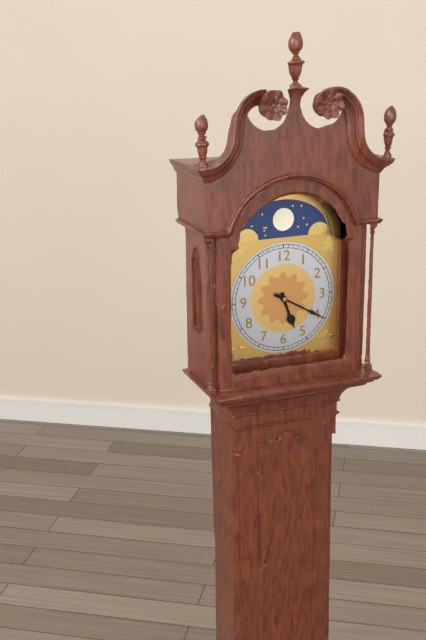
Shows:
5h20
